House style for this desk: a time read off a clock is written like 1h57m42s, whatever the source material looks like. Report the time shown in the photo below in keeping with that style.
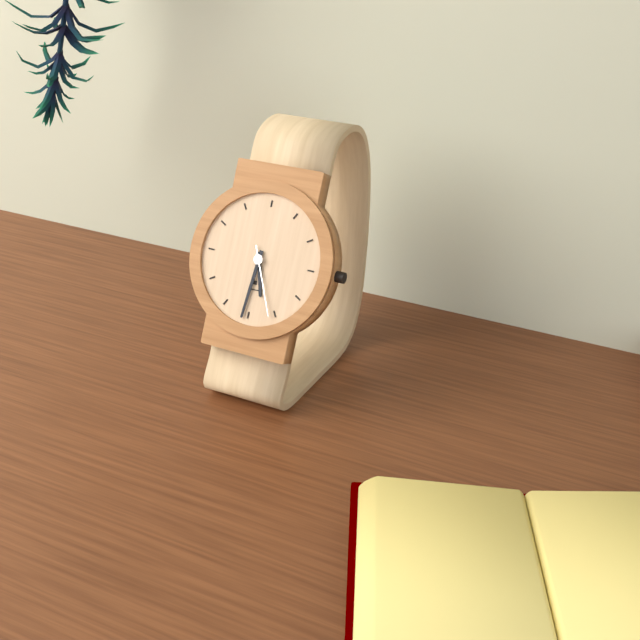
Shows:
5h31m26s
